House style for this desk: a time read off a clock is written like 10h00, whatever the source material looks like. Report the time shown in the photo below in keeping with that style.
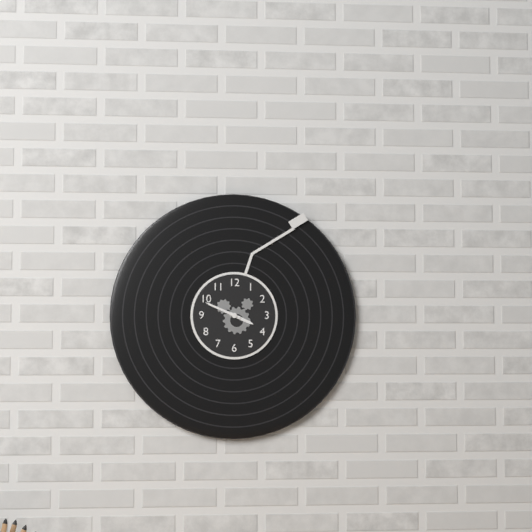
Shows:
3h49
